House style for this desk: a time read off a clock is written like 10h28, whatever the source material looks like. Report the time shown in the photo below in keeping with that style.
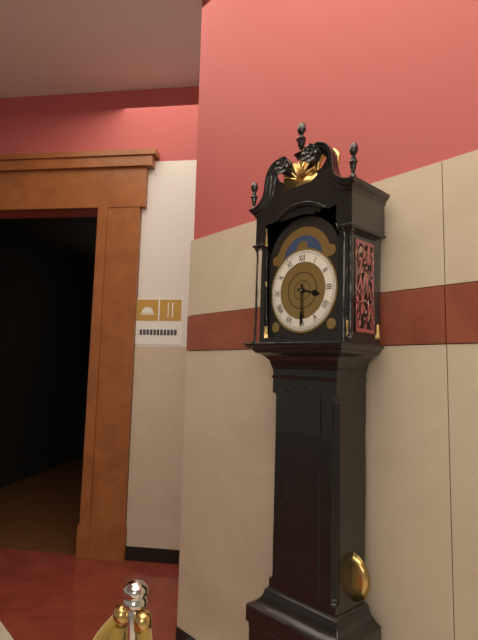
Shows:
3h30
